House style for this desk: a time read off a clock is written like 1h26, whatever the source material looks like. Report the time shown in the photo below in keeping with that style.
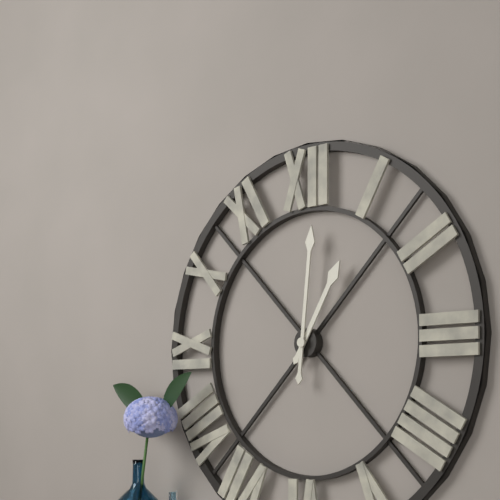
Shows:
1h01
